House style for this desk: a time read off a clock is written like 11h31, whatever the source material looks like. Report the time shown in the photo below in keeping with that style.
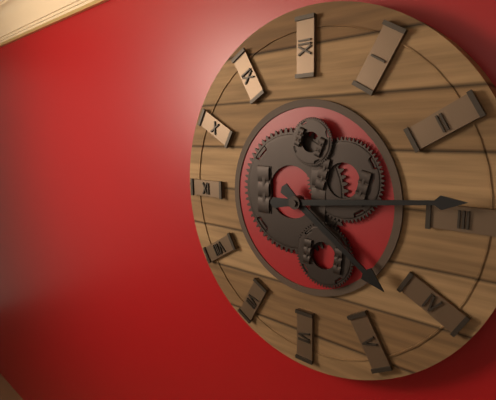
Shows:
4h14
